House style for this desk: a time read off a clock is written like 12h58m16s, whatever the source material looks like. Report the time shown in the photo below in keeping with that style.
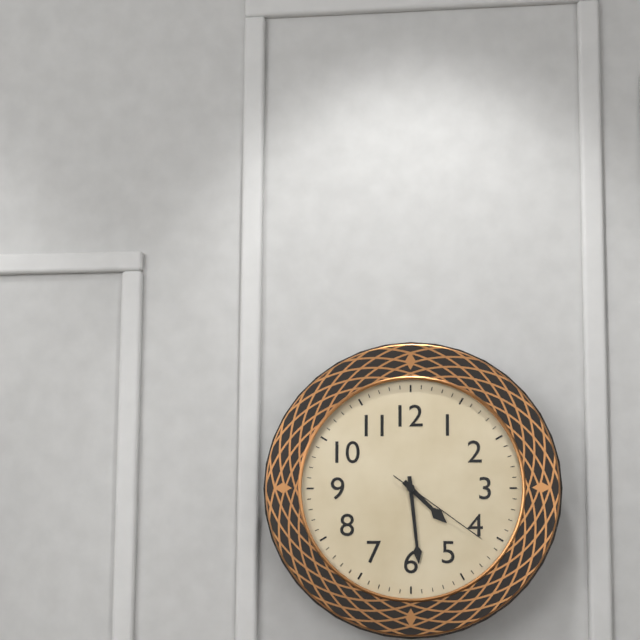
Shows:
4h29m21s
